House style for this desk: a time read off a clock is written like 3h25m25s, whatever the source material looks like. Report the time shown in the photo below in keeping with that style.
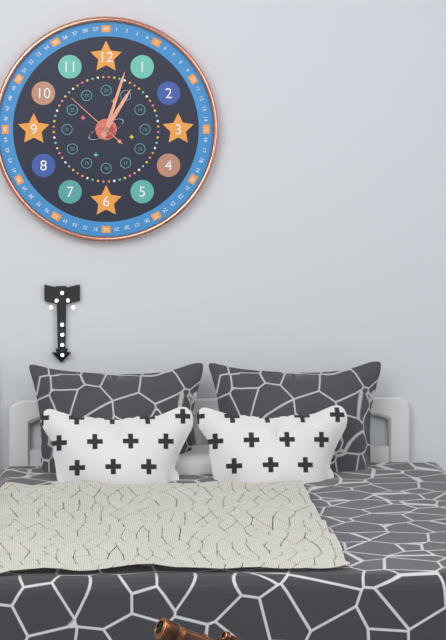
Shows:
1h03m52s
